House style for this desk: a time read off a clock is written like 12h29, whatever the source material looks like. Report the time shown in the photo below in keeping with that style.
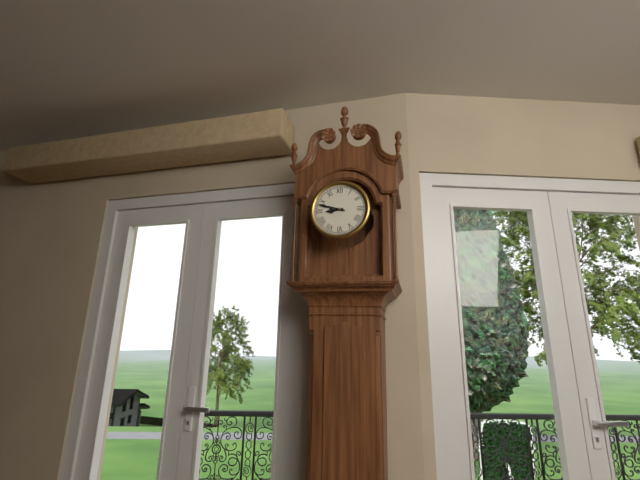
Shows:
8h48
